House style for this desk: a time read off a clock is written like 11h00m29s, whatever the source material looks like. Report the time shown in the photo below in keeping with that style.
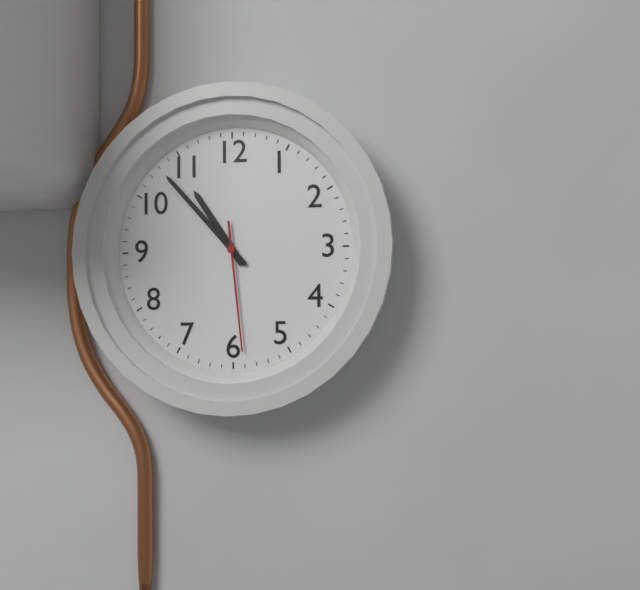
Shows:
10h53m29s
